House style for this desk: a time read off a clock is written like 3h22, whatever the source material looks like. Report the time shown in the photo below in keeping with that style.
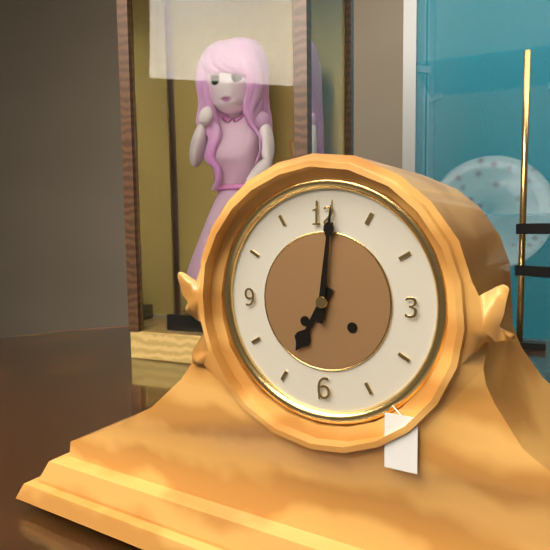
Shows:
7h01
